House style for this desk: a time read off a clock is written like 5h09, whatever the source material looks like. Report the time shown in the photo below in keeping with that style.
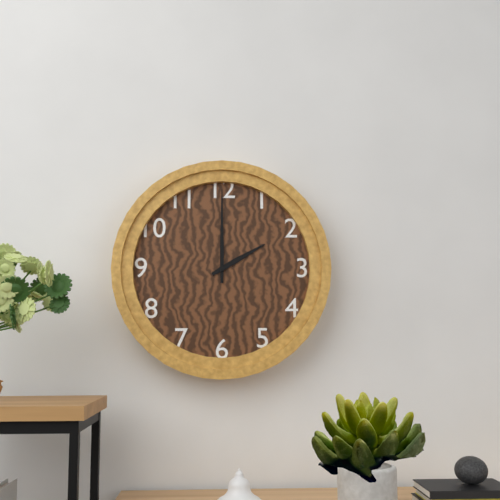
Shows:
2h00
